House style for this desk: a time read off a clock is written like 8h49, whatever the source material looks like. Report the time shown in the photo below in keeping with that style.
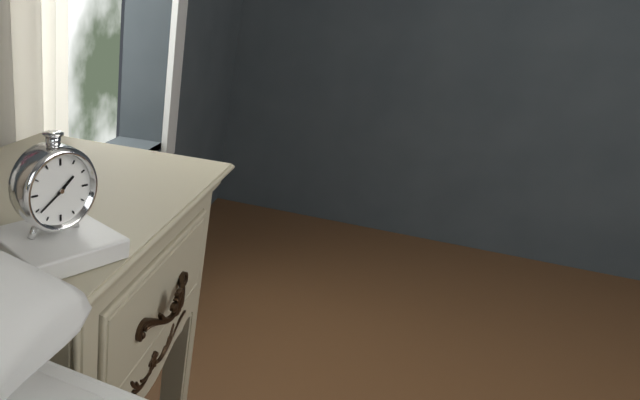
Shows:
1h39
